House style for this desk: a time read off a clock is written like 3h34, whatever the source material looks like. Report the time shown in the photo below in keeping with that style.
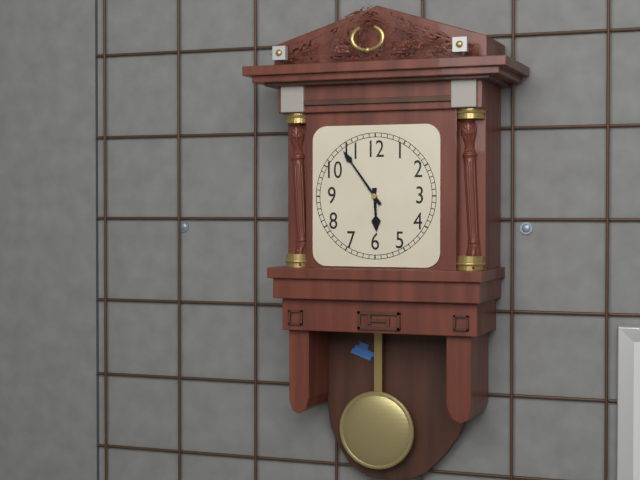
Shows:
5h54
